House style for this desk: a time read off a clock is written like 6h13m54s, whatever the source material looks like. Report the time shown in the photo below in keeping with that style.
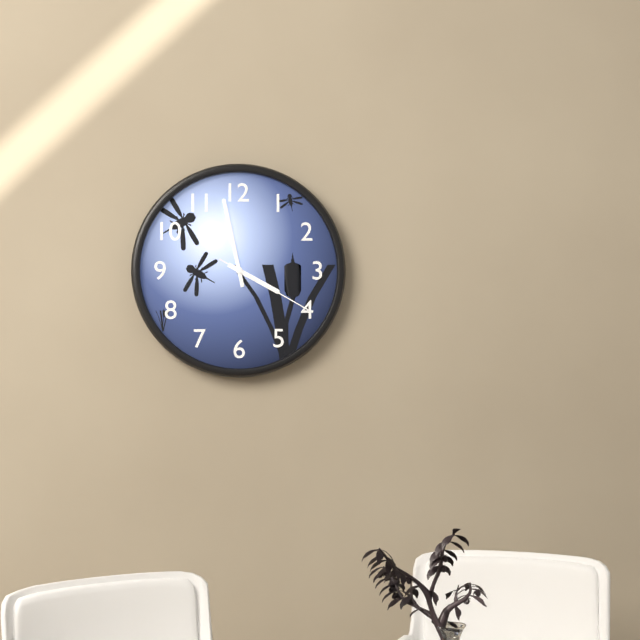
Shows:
3h58m20s
